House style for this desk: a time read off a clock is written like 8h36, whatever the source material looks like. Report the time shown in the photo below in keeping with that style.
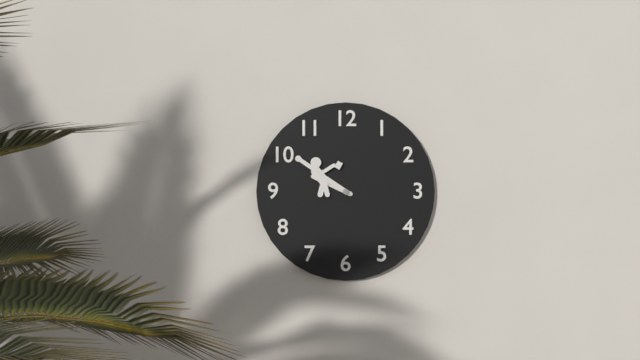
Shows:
9h50
